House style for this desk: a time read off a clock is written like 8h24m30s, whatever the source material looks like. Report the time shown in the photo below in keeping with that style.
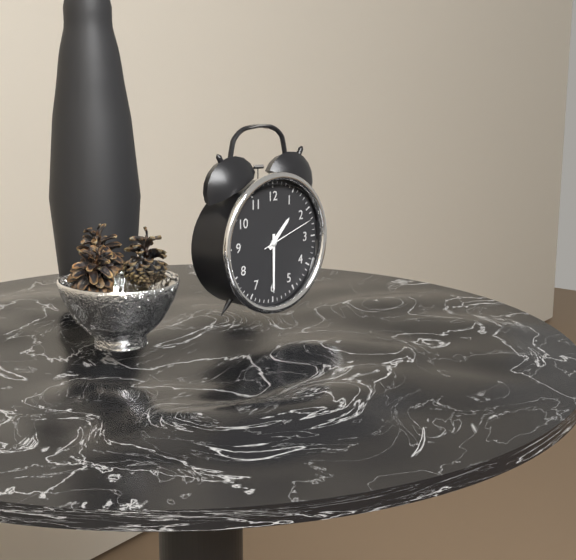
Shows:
1h30m12s
